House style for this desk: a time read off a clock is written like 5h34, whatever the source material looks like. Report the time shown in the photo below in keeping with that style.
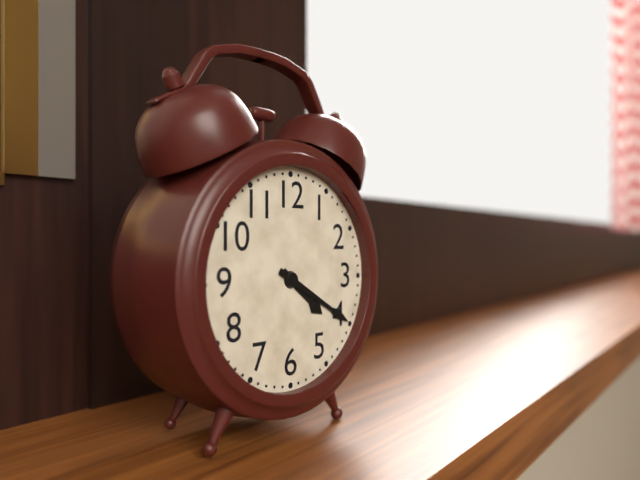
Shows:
4h20
